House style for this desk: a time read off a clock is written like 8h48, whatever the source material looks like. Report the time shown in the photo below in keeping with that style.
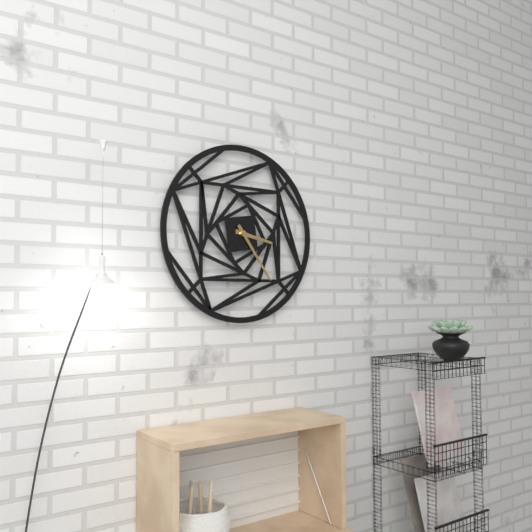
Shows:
3h24
